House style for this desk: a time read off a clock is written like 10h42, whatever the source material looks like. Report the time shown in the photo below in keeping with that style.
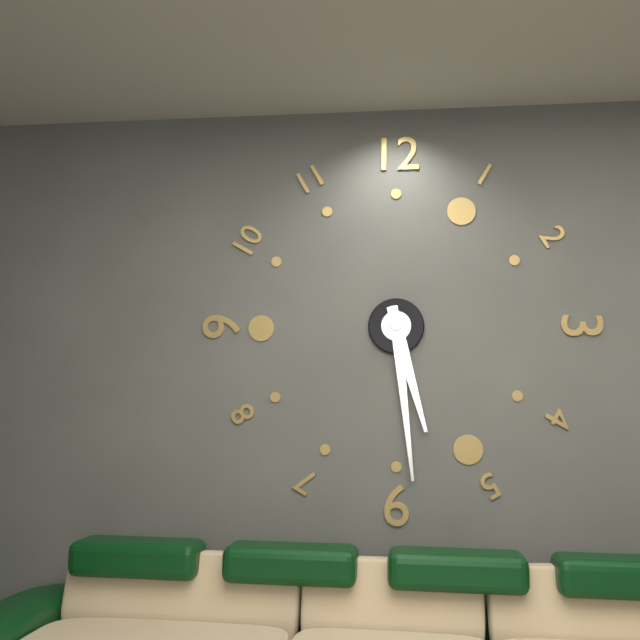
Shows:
5h29
